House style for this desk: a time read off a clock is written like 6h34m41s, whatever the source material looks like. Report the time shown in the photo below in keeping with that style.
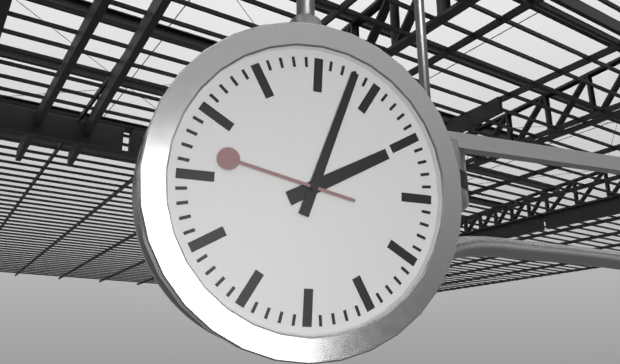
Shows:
2h03m47s
